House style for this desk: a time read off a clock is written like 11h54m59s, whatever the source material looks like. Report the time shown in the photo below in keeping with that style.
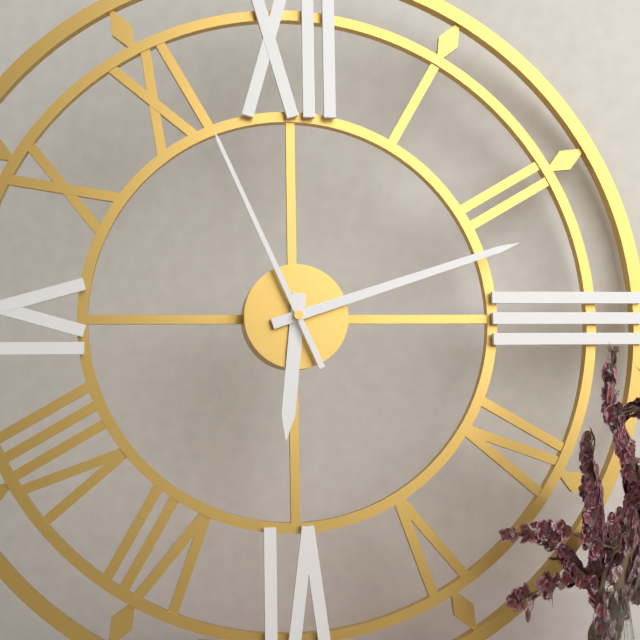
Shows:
6h12m56s
